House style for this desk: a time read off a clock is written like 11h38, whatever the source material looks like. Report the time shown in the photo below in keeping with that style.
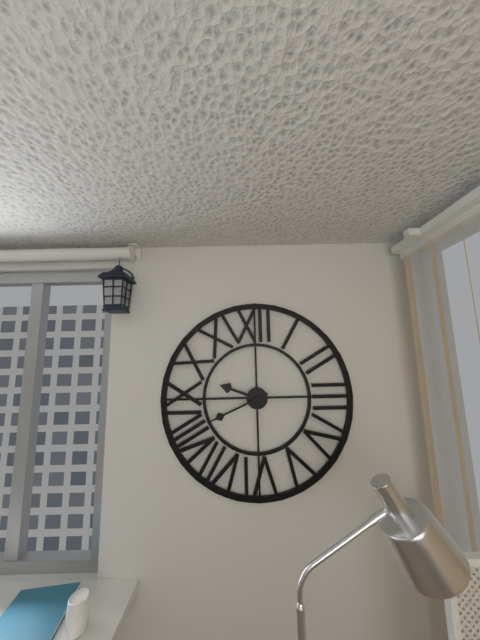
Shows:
9h41
